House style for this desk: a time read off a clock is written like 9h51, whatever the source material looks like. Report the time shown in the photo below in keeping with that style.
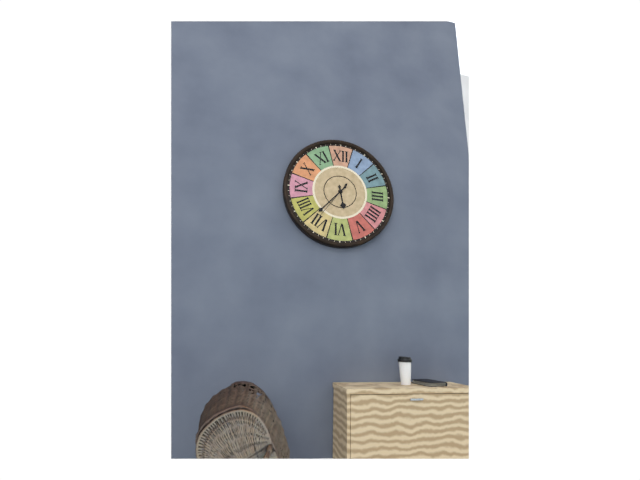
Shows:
5h37
